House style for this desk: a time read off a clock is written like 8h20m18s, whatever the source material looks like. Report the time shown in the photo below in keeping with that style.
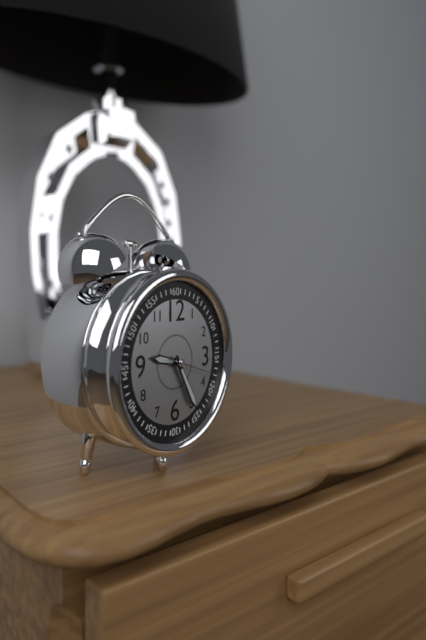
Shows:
9h25m18s
